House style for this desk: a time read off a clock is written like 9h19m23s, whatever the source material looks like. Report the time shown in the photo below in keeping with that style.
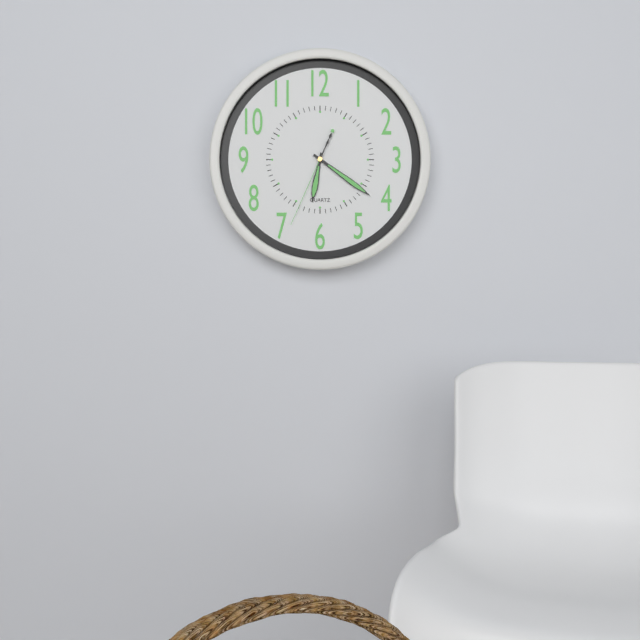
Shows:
6h21m34s
